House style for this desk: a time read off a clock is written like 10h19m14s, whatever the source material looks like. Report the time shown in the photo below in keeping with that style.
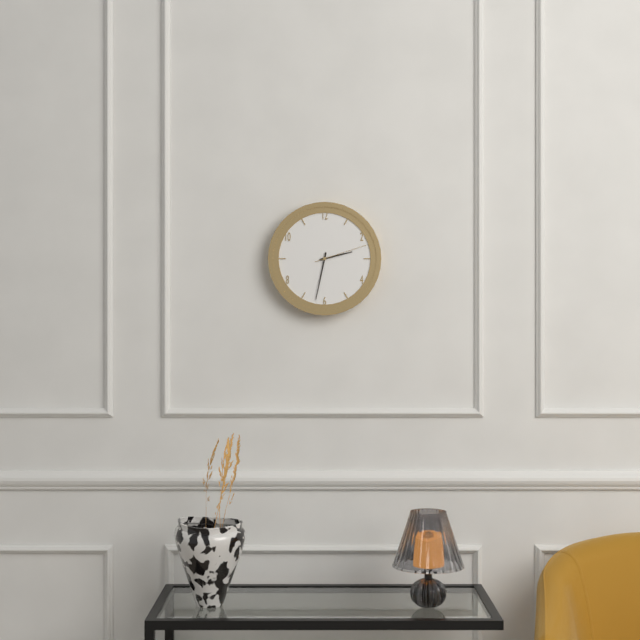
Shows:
2h32m12s
